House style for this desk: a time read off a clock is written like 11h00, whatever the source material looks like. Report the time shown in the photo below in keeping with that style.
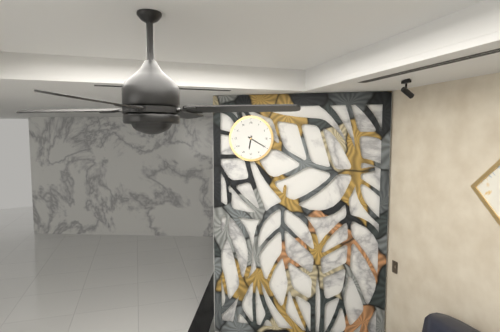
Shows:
6h20
